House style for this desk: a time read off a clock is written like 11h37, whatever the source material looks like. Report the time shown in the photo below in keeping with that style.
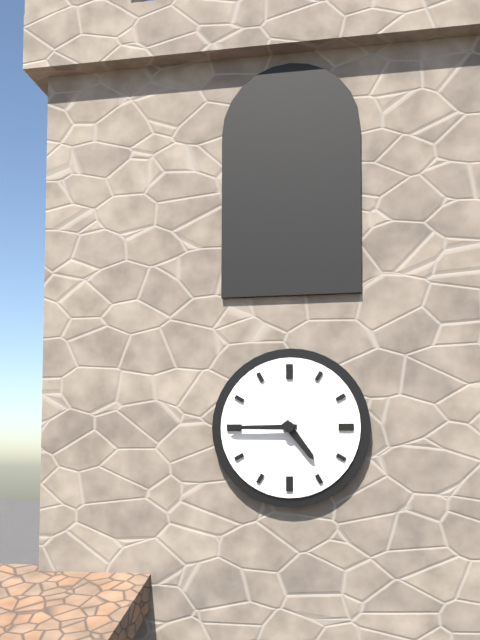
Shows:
4h45
